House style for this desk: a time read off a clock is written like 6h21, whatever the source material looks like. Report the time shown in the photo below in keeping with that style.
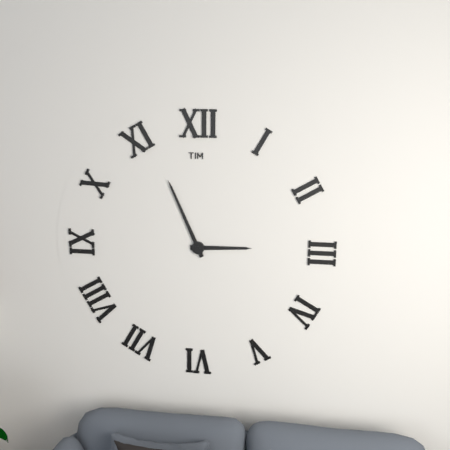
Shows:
2h56
